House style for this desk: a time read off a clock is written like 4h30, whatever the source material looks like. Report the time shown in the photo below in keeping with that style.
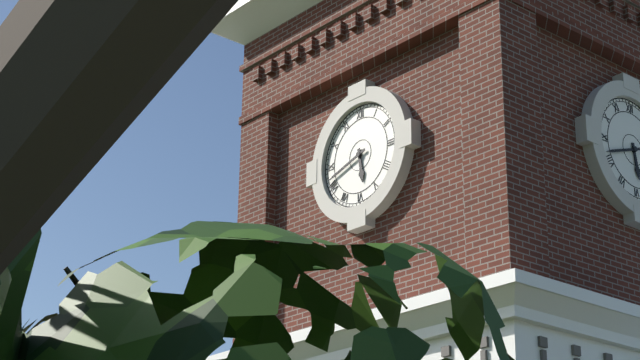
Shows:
5h42
